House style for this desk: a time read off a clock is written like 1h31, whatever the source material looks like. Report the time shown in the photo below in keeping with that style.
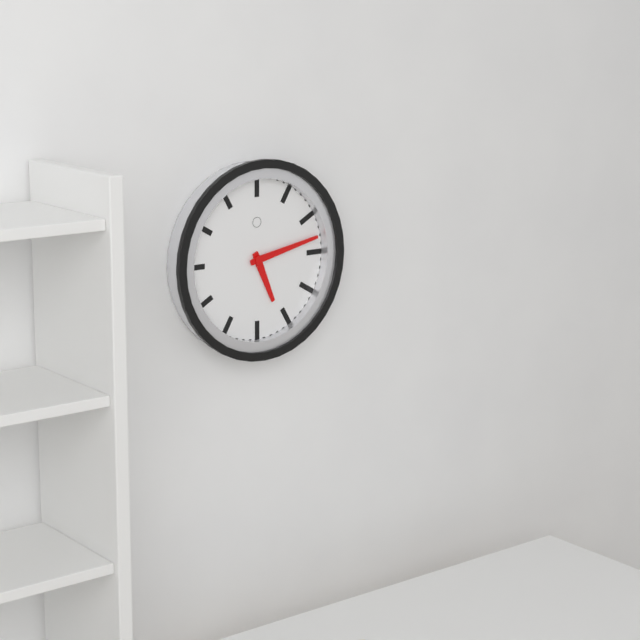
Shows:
5h13
